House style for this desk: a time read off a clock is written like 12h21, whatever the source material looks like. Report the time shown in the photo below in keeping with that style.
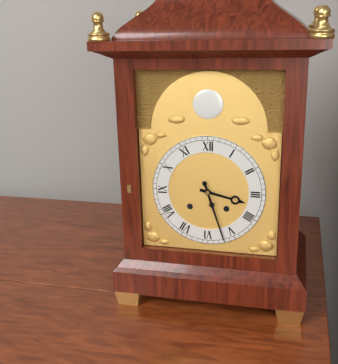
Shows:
3h27
